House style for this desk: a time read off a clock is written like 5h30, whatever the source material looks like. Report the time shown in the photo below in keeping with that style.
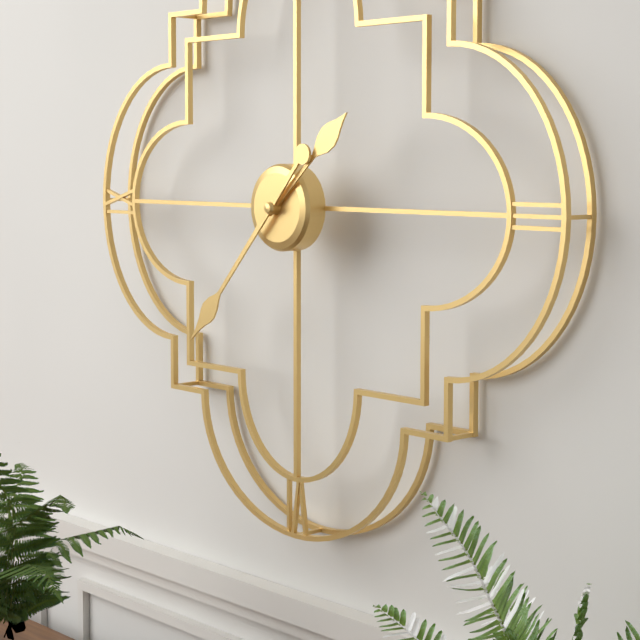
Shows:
1h37
